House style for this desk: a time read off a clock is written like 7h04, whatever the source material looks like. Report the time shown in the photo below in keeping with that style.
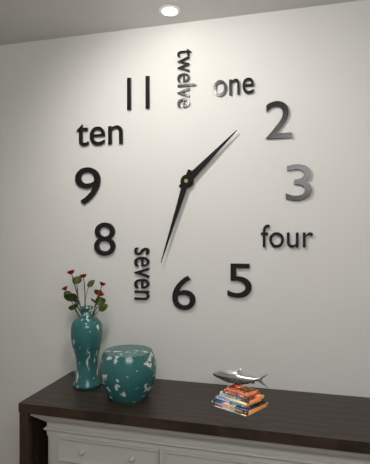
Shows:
1h33
